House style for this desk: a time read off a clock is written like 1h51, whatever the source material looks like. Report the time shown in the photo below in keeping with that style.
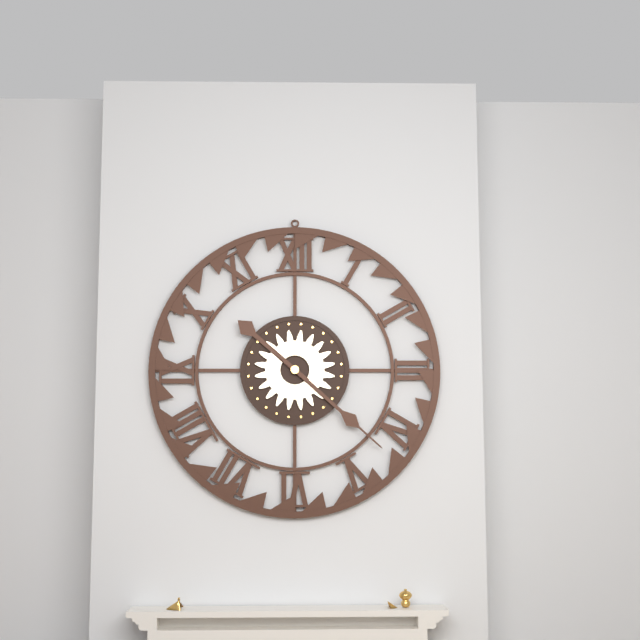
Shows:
10h22
